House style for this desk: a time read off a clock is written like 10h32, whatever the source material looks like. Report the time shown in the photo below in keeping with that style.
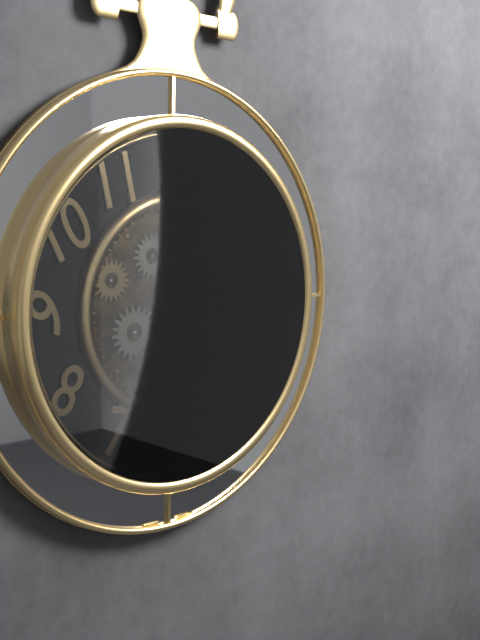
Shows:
3h34
